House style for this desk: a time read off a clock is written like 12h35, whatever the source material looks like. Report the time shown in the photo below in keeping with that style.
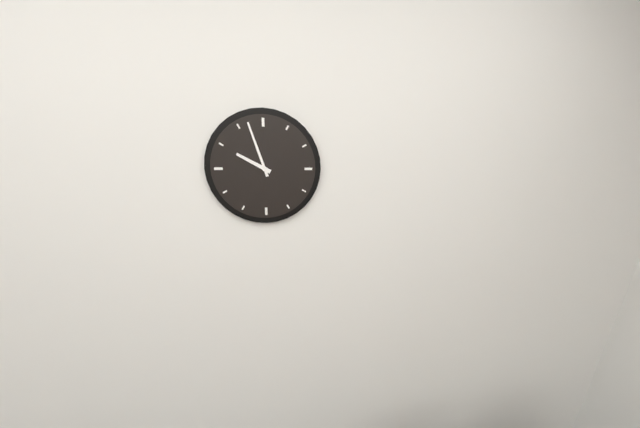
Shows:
9h57
